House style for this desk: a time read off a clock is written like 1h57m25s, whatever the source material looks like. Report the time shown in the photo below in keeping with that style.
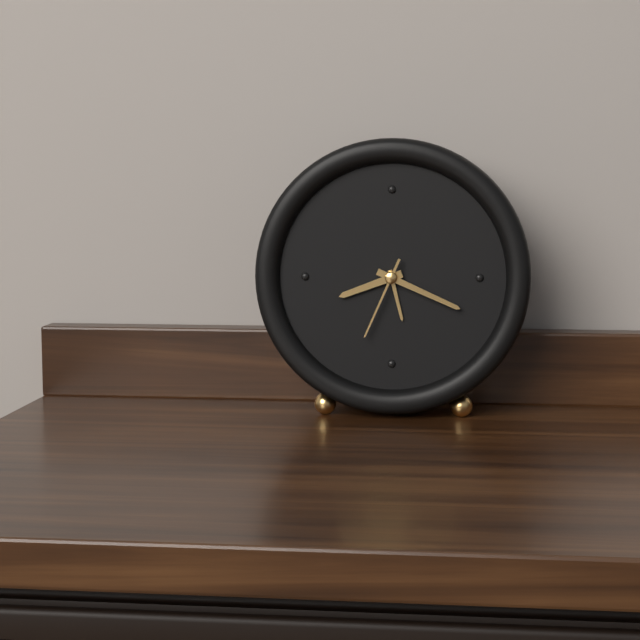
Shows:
8h19m34s
